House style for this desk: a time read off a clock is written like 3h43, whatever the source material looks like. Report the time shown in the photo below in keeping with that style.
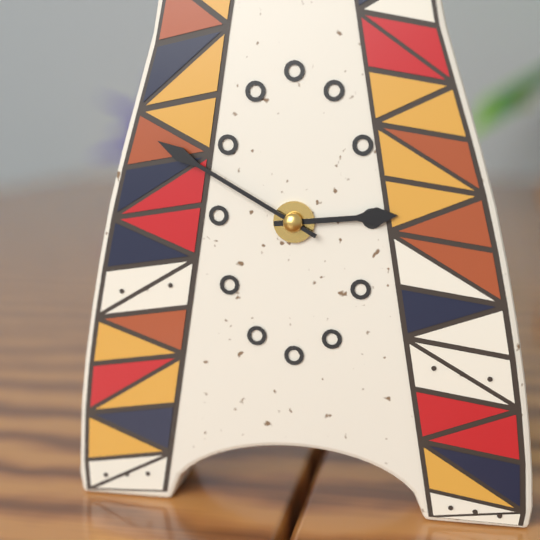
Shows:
2h50
